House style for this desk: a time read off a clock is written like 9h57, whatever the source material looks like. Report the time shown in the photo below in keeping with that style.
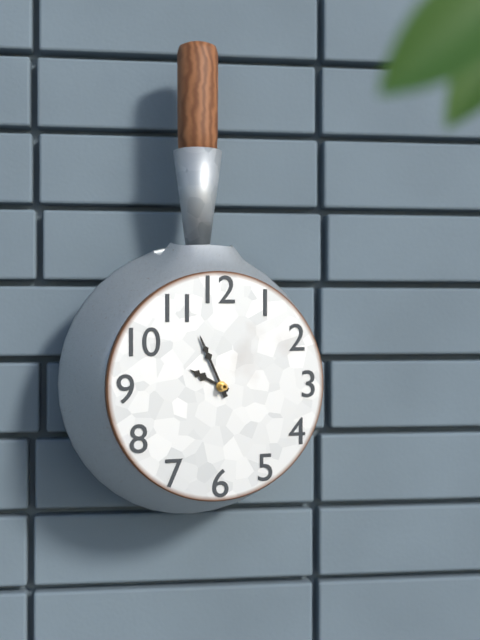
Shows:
9h56
